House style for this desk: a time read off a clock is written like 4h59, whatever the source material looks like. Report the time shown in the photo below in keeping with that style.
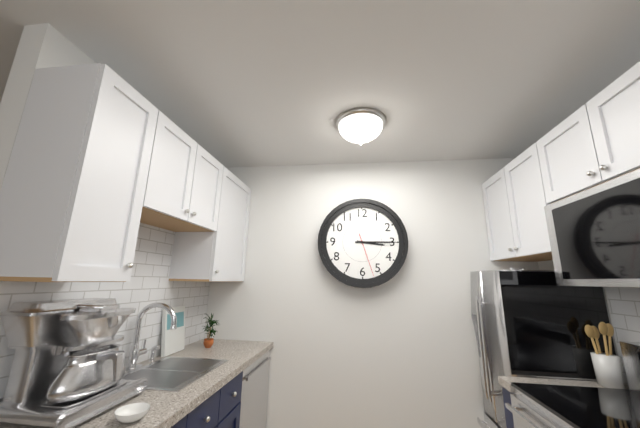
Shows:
3h15
